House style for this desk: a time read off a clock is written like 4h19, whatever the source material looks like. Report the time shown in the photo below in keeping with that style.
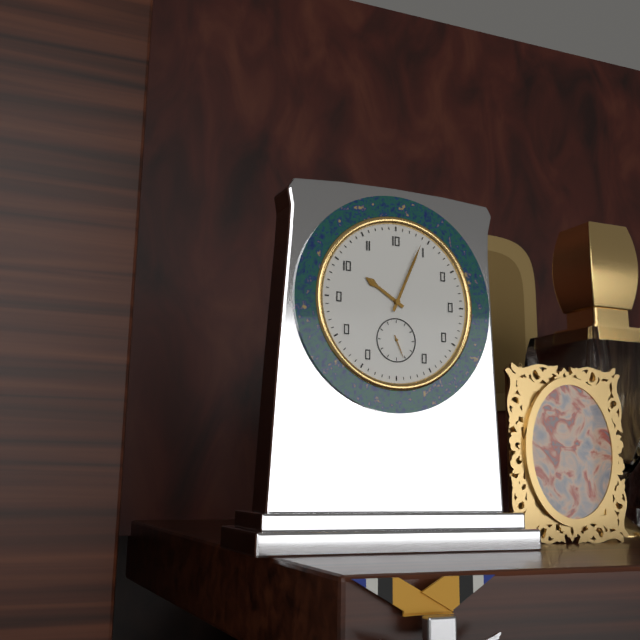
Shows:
10h04
